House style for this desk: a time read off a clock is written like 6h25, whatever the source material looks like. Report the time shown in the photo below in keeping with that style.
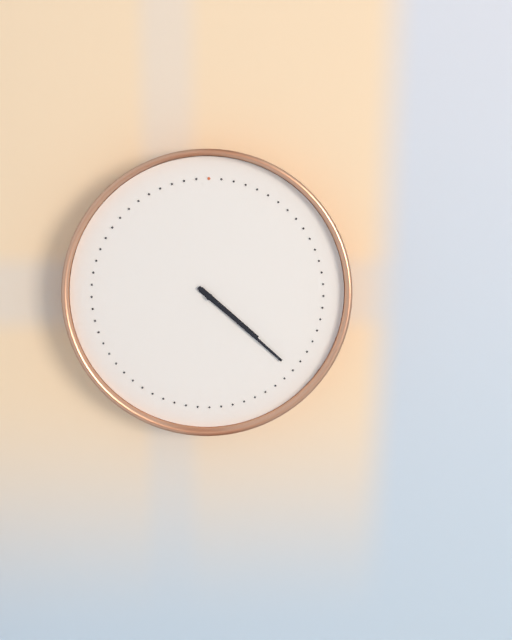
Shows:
4h22
